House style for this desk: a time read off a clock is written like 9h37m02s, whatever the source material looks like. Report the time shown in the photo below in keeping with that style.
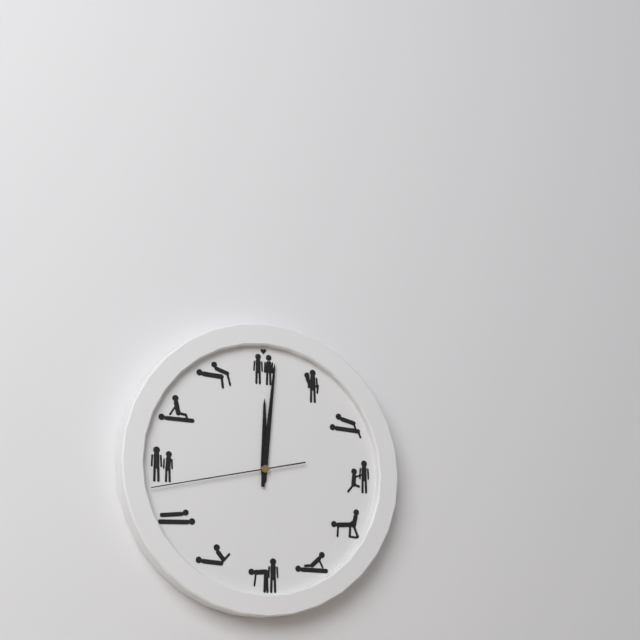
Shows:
12h01m43s
